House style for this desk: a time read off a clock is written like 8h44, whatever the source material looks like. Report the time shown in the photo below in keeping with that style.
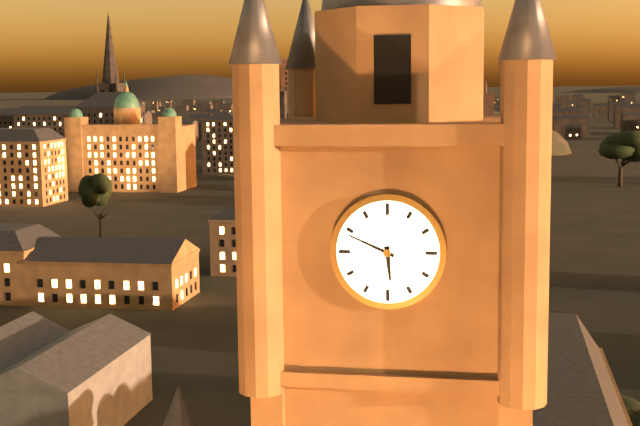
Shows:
5h49
